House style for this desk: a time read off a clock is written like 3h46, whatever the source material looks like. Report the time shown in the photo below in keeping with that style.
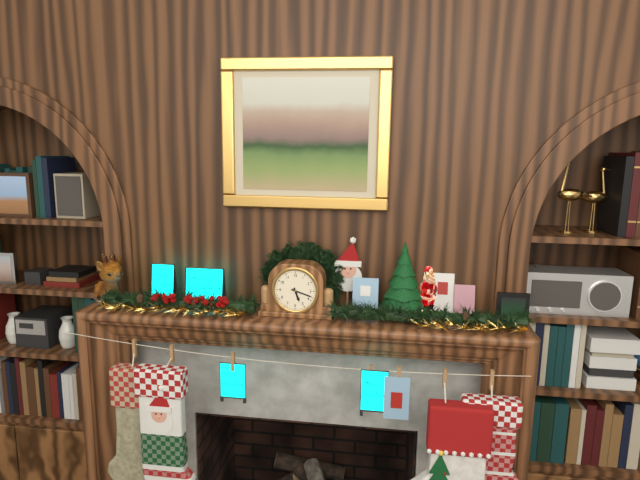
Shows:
5h18
